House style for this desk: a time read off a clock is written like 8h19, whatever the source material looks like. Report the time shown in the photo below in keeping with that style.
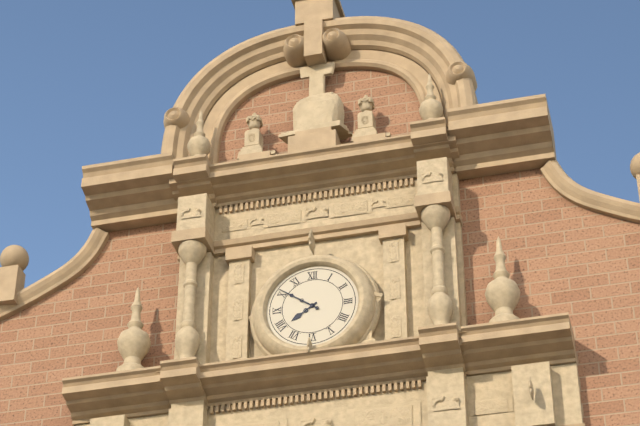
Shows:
7h51
